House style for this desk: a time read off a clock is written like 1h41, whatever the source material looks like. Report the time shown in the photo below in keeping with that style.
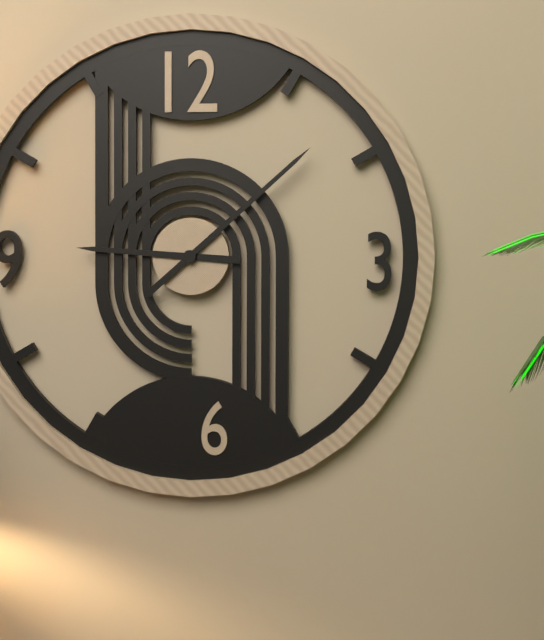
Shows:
9h08
